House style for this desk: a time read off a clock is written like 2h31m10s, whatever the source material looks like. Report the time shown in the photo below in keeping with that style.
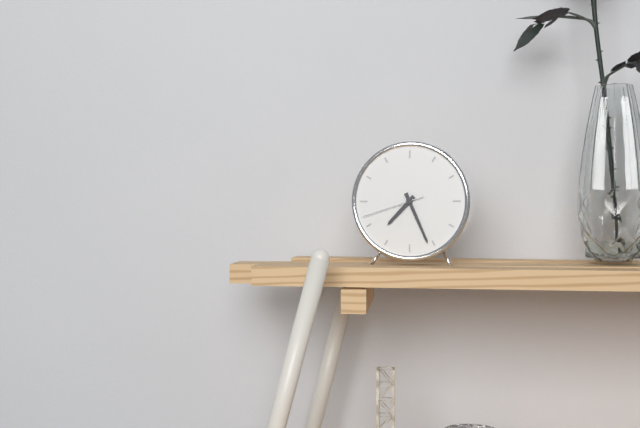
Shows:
7h26m42s
